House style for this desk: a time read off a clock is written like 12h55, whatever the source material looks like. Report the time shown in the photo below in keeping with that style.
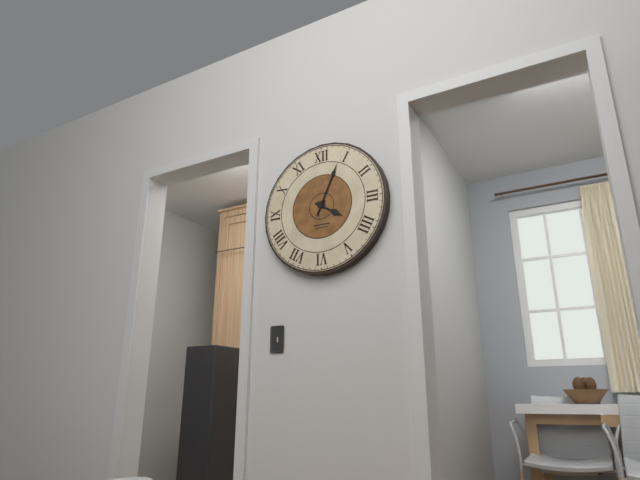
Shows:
4h04
